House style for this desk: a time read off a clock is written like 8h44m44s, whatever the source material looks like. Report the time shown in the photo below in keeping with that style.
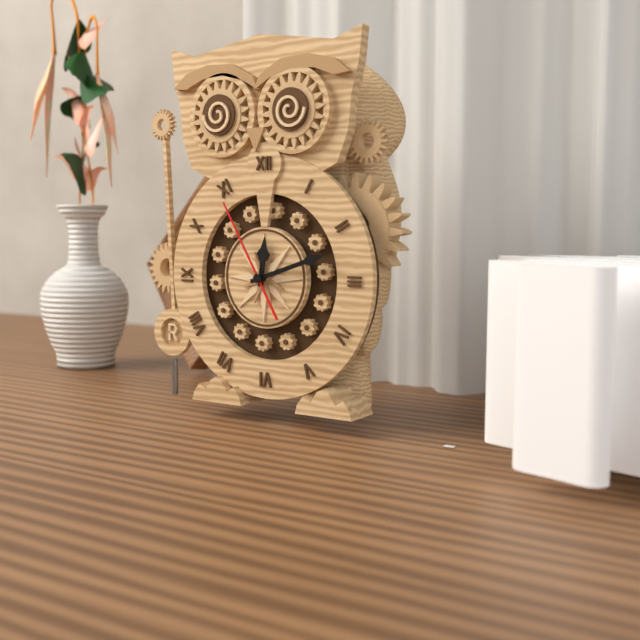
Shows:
12h12m55s
